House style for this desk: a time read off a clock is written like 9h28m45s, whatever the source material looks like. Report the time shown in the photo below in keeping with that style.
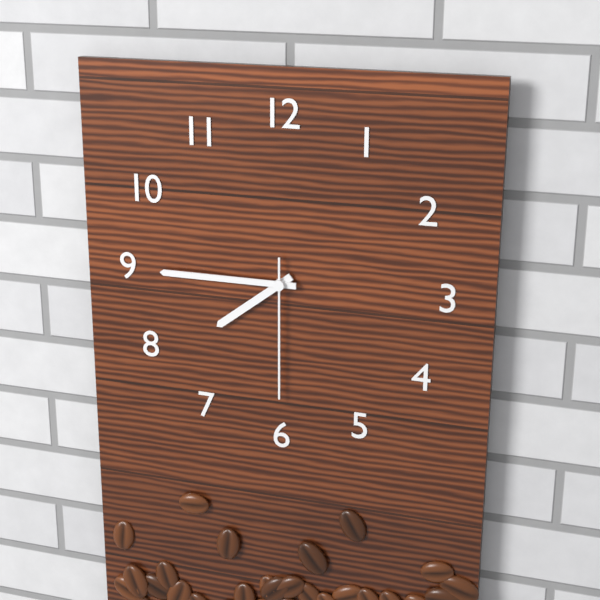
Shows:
7h45m30s
